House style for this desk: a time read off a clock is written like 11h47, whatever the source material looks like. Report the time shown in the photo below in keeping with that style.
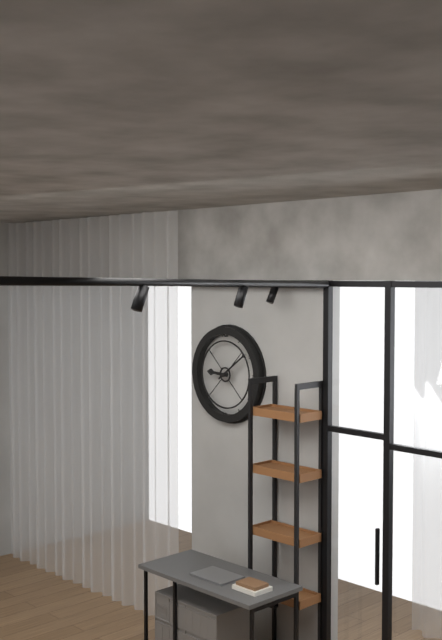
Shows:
9h09
